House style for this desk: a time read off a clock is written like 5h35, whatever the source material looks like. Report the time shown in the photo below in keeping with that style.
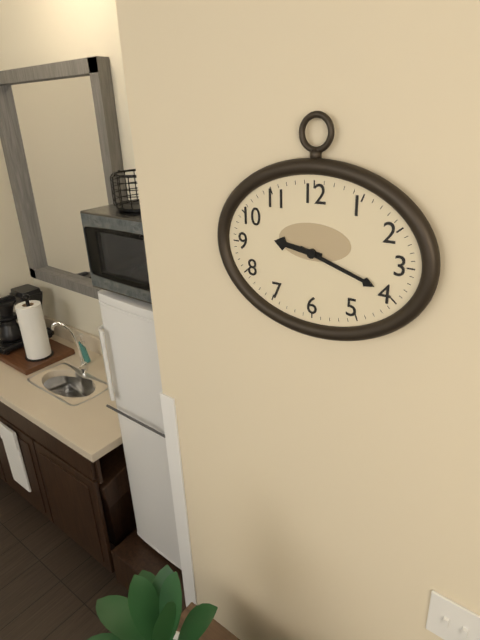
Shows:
9h18
